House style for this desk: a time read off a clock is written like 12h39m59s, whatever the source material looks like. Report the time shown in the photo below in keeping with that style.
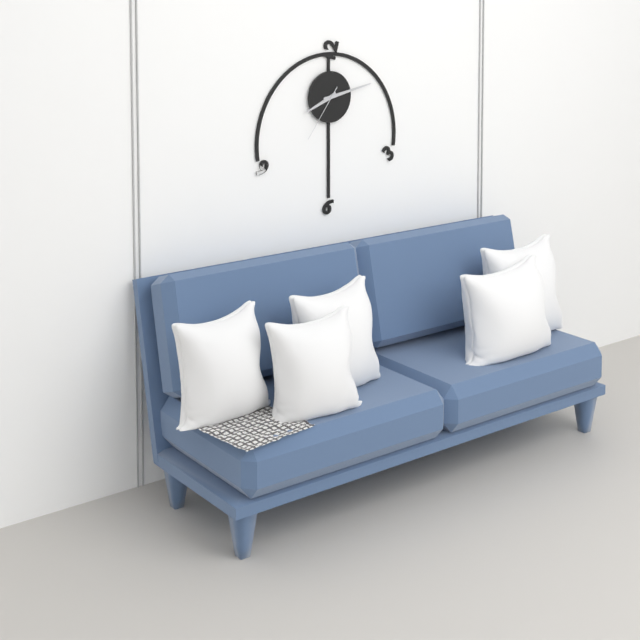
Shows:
8h13m36s
